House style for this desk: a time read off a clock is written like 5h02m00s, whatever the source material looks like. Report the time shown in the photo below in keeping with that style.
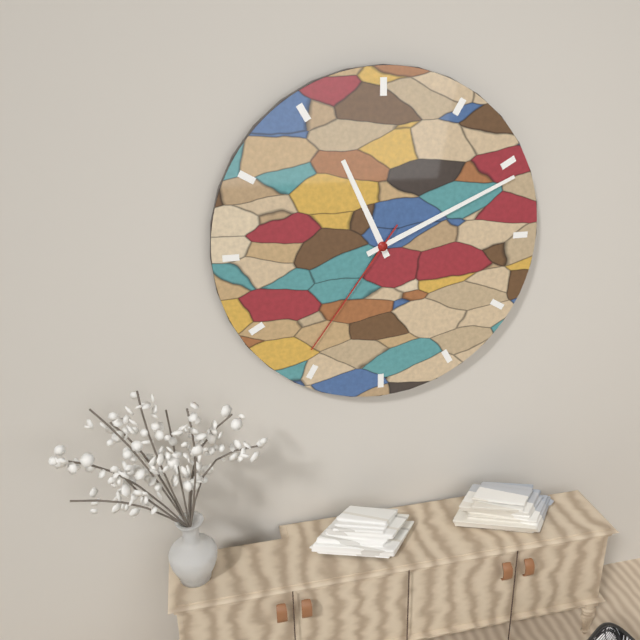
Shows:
11h11m36s
